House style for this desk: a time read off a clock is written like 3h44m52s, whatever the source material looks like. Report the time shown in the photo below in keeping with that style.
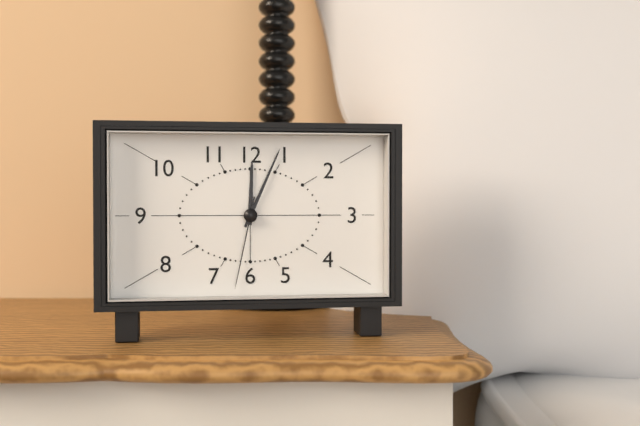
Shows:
12h04m32s
